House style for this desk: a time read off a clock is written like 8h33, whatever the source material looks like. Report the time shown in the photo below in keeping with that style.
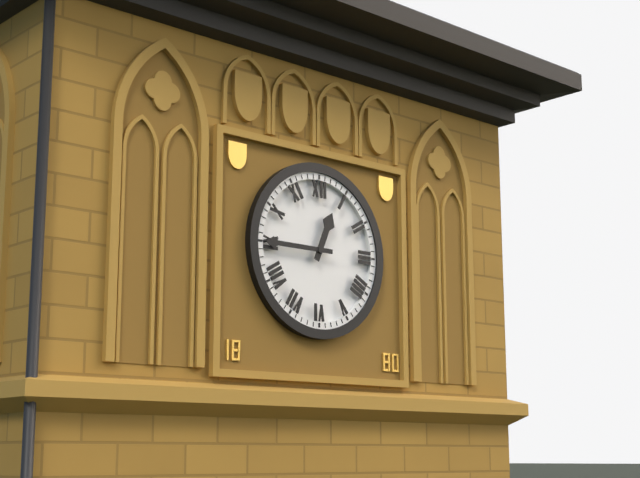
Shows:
12h45
